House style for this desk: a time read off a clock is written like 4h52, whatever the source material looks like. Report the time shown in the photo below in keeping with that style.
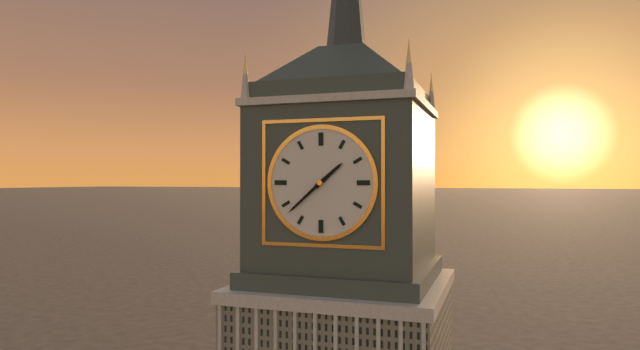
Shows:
1h38
